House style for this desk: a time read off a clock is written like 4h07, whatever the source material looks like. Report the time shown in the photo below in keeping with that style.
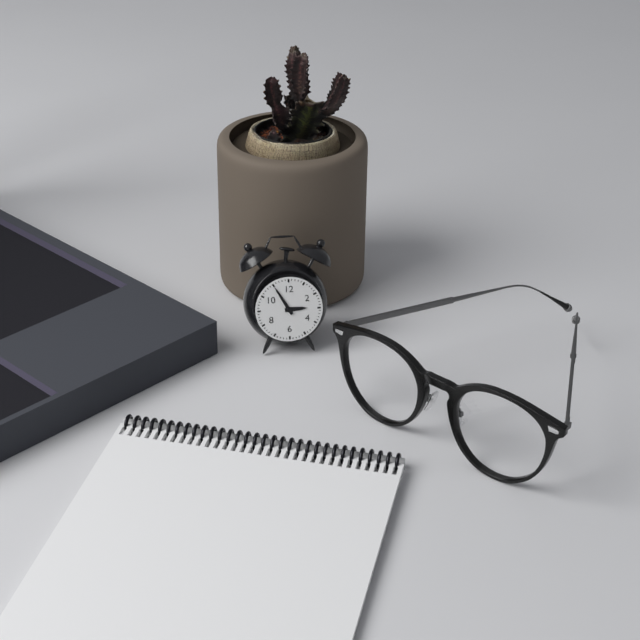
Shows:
2h55
